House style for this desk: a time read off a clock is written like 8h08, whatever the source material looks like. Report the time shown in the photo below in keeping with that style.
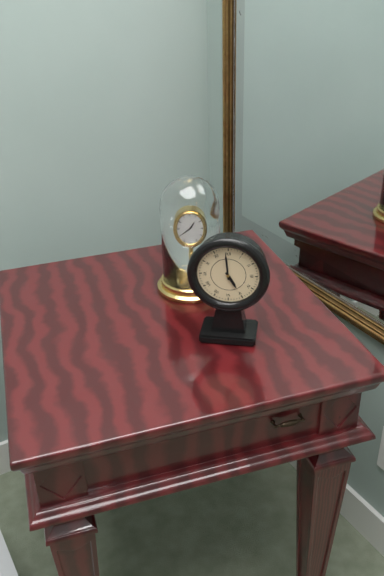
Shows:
4h59
